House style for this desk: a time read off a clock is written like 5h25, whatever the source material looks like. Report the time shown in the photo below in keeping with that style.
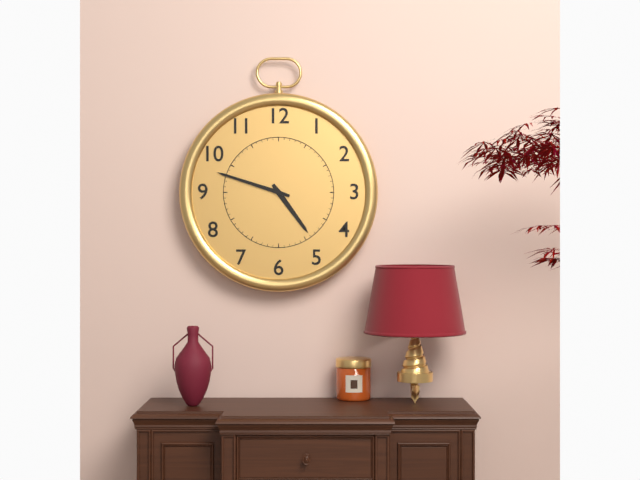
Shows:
4h48
